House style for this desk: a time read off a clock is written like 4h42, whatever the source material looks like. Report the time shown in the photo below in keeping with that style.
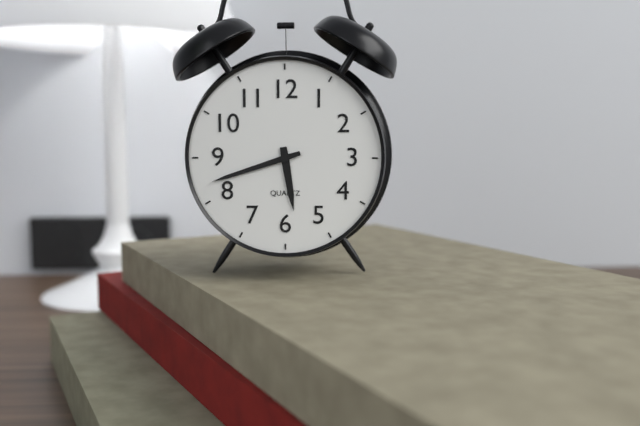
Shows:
5h42
